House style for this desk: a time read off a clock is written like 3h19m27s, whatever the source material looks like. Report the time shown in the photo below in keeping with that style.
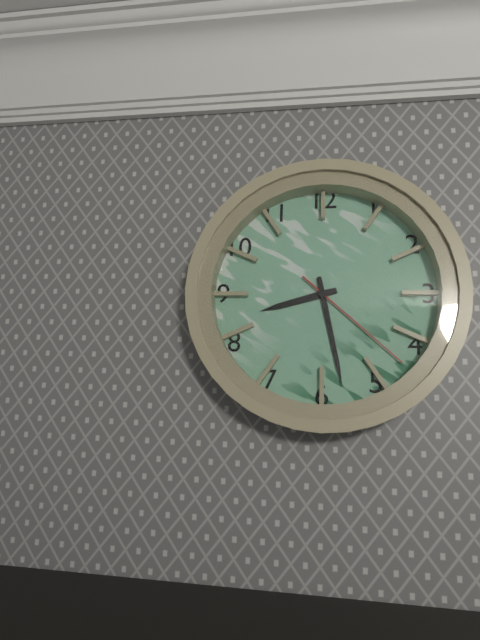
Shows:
8h28m22s
